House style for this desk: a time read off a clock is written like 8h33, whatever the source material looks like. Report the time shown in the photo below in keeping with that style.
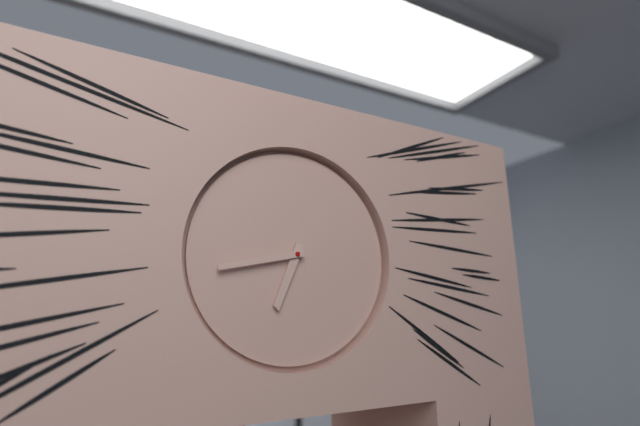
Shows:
6h43
